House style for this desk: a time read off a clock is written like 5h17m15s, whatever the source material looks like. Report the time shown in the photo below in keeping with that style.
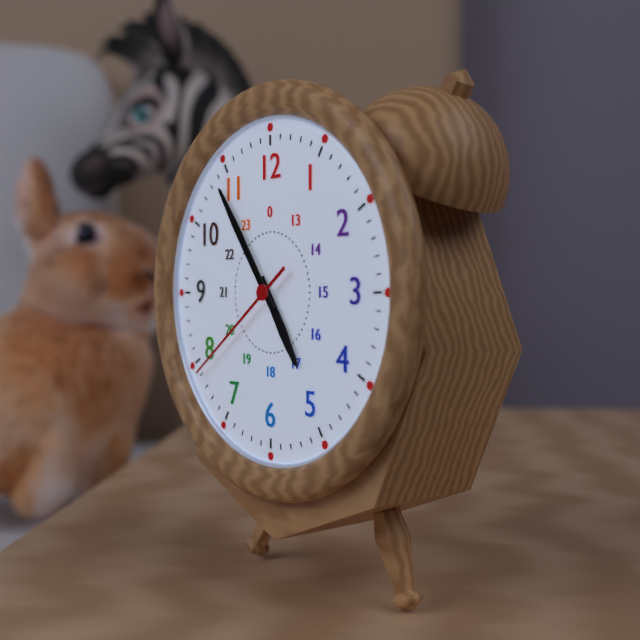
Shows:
4h54m39s
